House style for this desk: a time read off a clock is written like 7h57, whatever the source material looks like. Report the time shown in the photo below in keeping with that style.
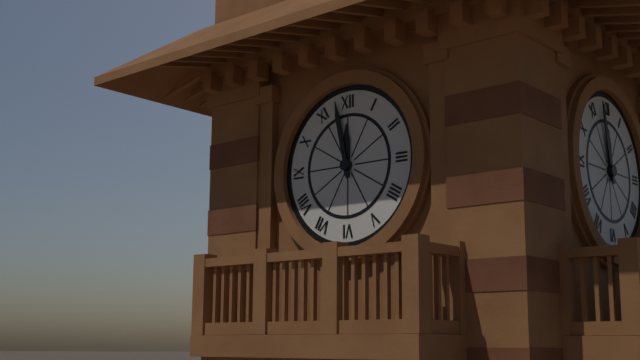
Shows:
11h58
